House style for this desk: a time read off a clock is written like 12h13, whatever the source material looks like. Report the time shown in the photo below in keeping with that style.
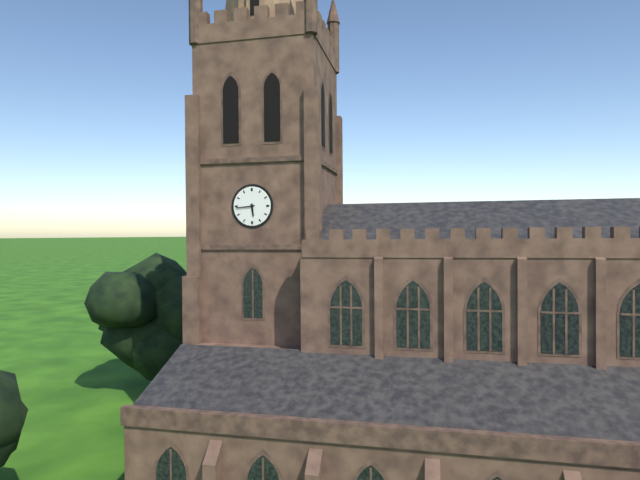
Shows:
5h44
